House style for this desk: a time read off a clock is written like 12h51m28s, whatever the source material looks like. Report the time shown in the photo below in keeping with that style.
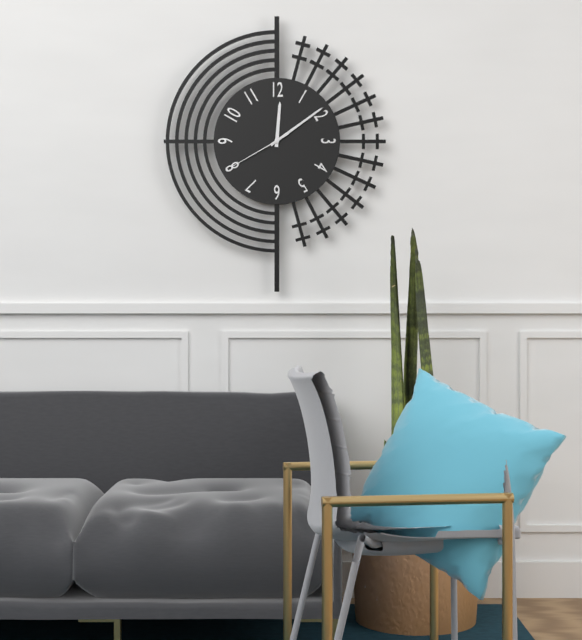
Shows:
12h09m40s
